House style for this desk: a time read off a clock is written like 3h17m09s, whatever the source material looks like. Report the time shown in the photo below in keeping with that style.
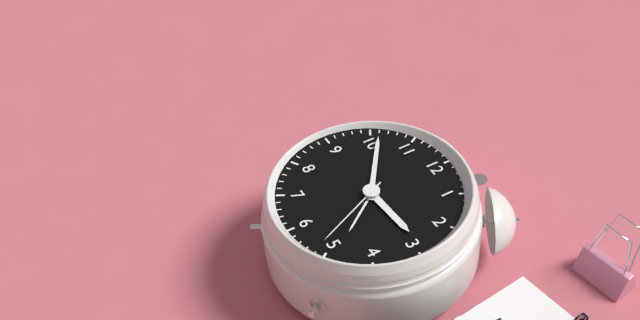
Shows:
2h51m26s
